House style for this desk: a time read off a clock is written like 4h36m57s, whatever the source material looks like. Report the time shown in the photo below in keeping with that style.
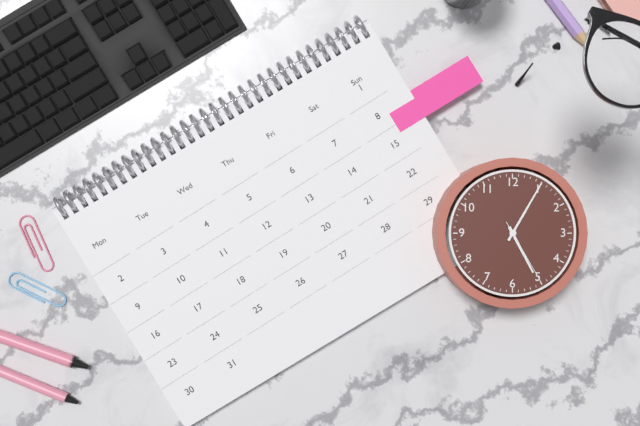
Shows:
5h05m25s
